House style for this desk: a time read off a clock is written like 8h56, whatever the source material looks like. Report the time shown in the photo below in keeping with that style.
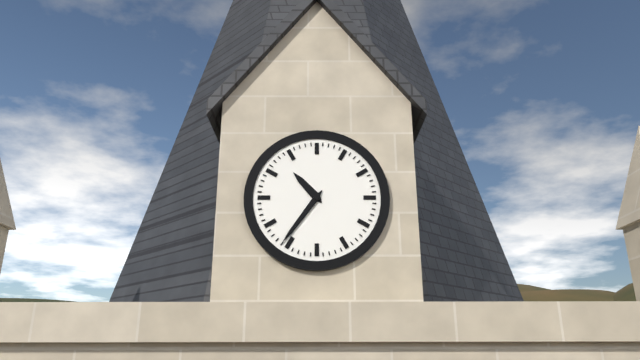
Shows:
10h36
